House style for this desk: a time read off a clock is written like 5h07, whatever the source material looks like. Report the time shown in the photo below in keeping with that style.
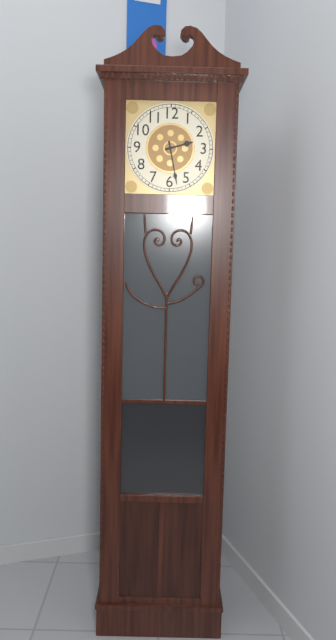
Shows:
2h28
